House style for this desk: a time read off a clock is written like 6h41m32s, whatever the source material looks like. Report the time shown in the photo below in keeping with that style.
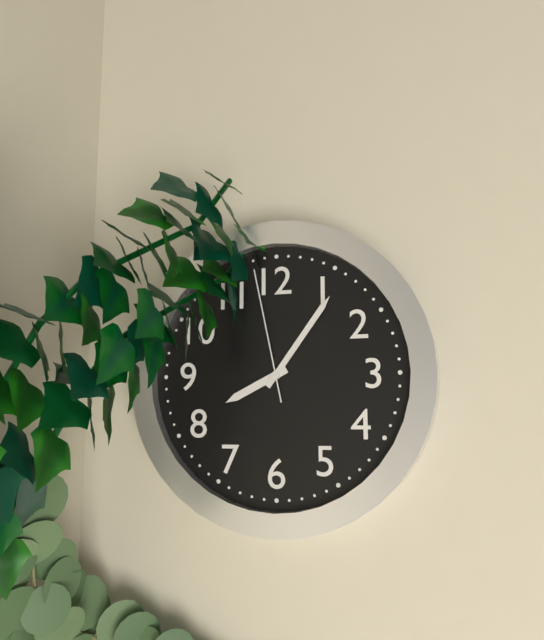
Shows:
8h06m58s
